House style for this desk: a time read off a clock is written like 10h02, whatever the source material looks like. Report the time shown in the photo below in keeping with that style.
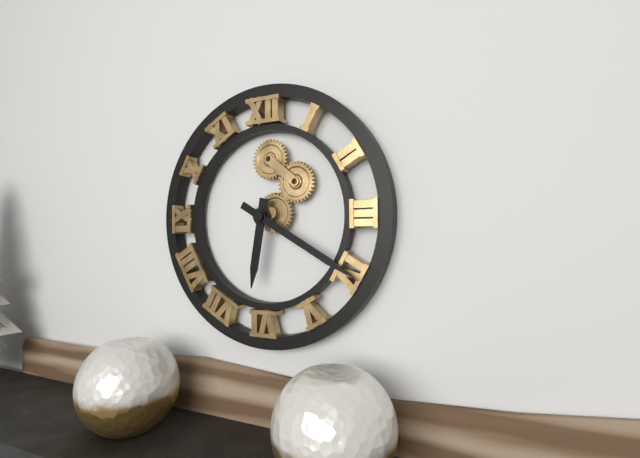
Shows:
6h20
